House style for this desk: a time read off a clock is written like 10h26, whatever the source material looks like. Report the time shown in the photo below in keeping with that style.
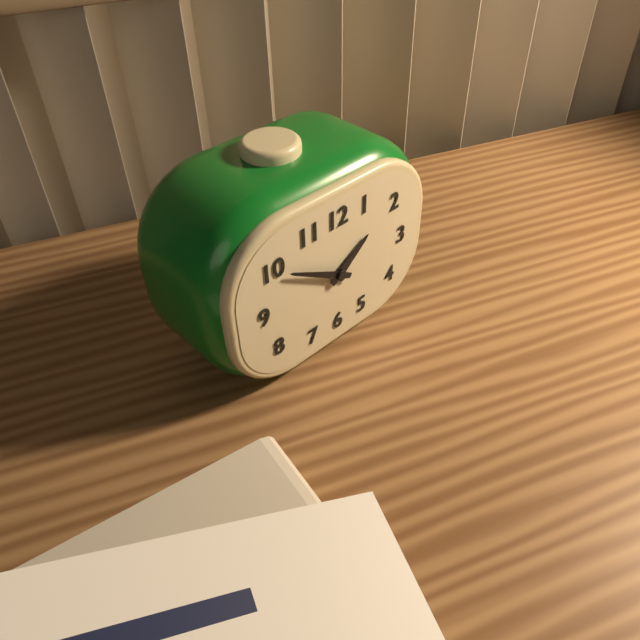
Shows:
1h50
